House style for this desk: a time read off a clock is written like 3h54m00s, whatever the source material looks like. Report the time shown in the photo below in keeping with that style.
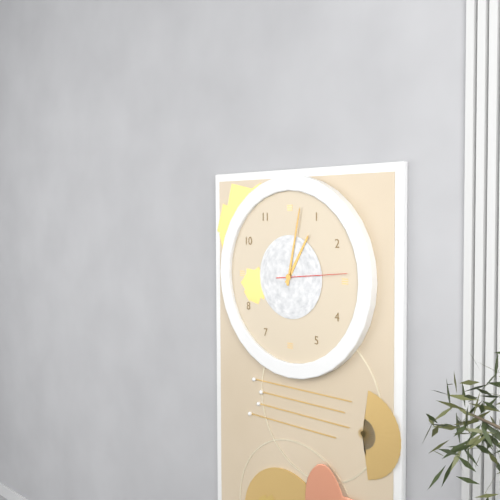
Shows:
1h02m14s
